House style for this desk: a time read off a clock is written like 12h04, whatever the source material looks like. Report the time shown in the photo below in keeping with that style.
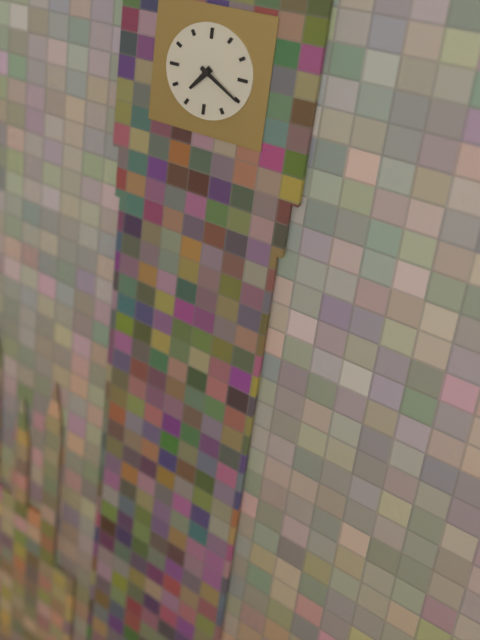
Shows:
7h20
